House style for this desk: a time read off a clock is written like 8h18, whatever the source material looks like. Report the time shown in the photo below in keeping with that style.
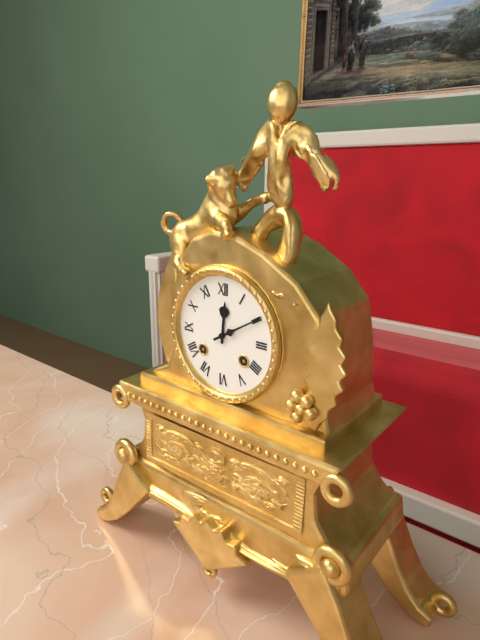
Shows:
12h10
